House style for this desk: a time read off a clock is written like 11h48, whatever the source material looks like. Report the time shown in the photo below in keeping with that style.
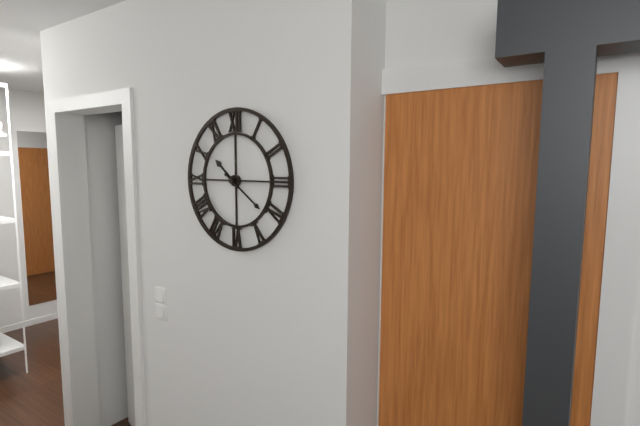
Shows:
10h21
